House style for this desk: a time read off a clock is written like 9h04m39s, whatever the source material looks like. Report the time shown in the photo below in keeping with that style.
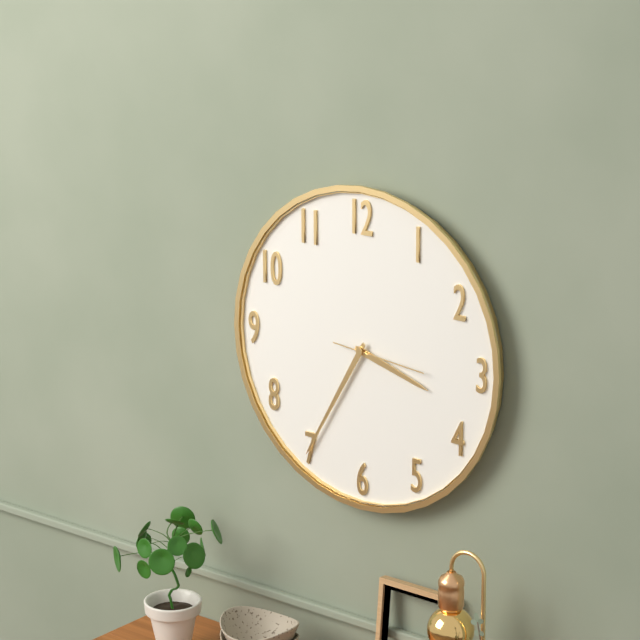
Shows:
3h35m16s
